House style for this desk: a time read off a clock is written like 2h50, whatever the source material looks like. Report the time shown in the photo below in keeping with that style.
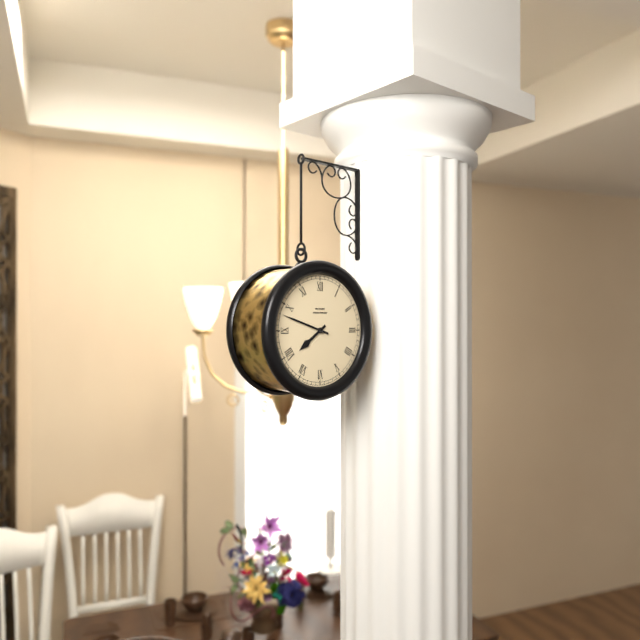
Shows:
7h48
